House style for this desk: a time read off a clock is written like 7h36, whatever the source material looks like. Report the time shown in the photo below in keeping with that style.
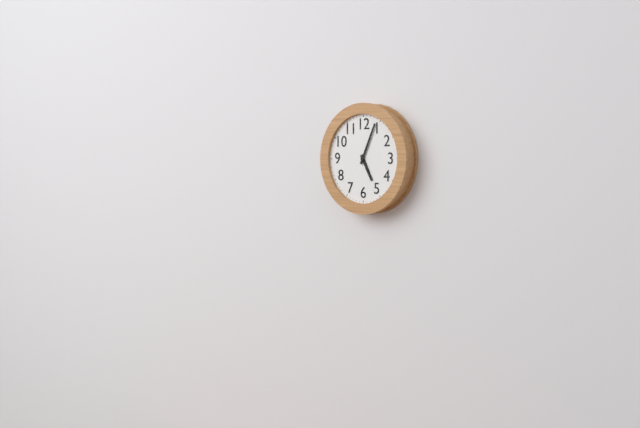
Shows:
5h04
